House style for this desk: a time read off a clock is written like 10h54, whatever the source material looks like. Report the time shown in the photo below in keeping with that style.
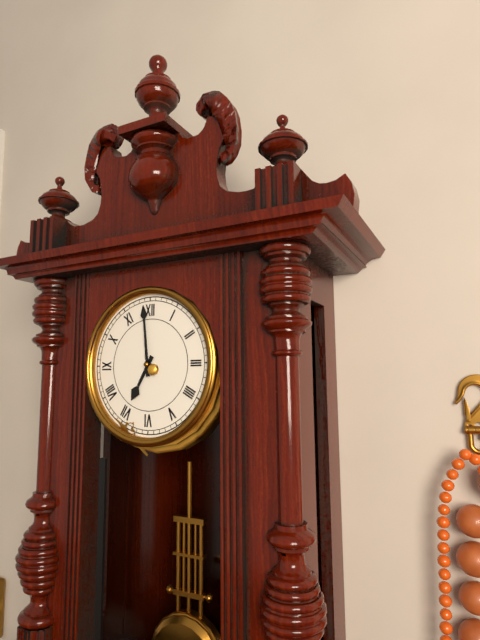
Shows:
6h59
